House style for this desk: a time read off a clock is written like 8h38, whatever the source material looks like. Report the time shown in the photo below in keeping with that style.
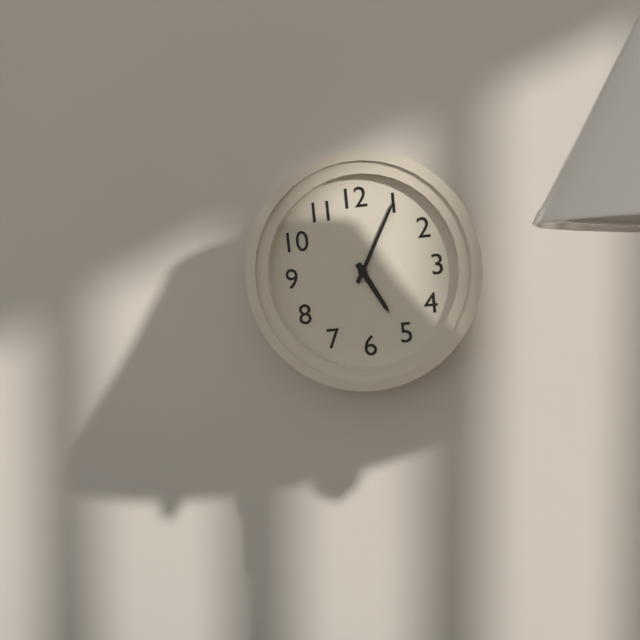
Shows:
5h05
